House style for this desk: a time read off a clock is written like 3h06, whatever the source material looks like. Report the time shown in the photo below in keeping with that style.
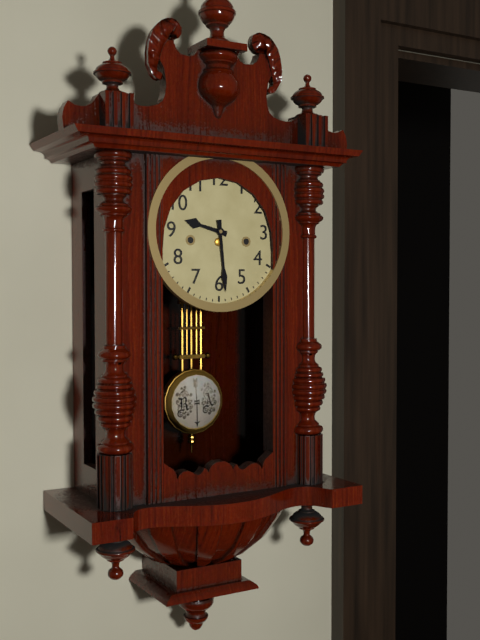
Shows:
9h29
